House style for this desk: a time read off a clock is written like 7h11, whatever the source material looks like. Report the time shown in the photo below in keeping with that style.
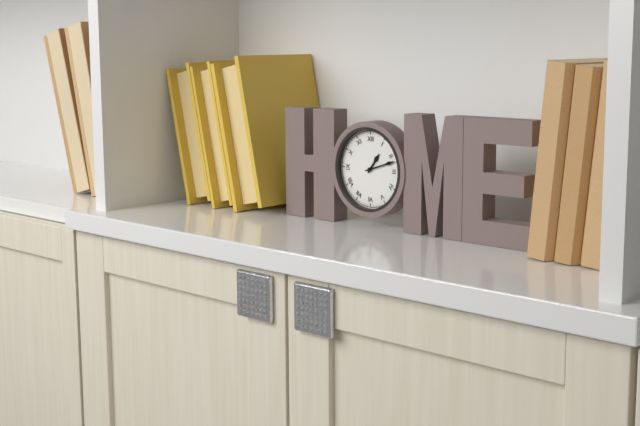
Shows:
1h12
